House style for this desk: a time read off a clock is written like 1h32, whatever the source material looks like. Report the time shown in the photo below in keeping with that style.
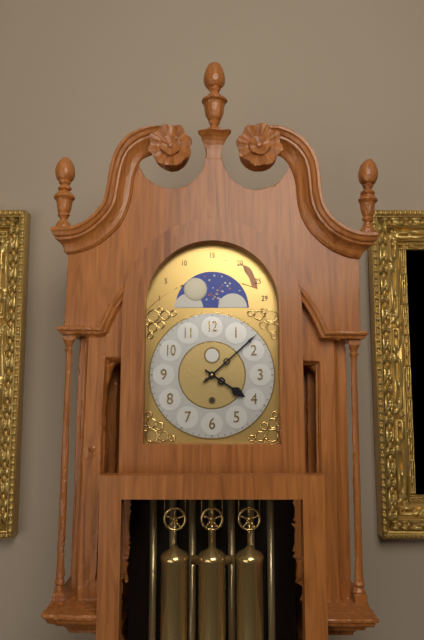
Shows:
4h08
